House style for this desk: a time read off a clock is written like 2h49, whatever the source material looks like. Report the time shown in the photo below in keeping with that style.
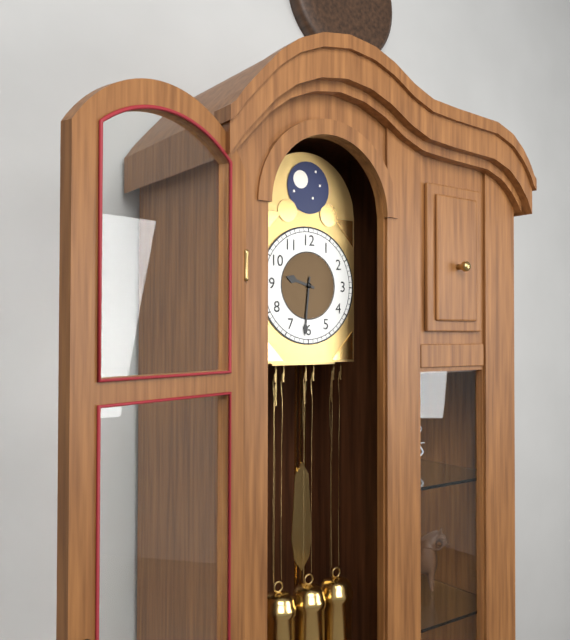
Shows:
9h31
